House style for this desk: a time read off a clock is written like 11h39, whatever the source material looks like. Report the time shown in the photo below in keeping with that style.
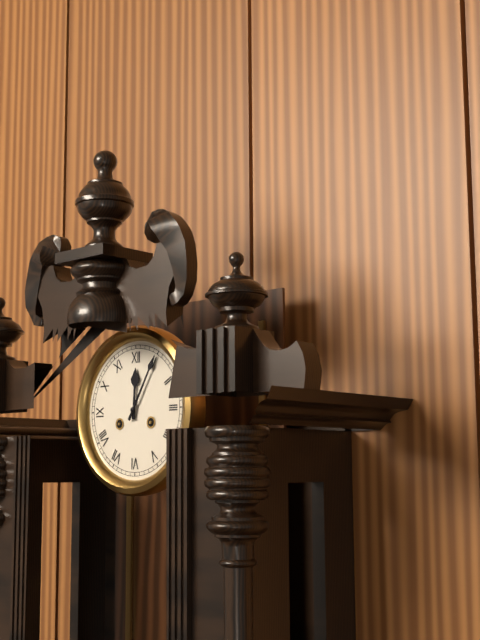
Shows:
12h05
